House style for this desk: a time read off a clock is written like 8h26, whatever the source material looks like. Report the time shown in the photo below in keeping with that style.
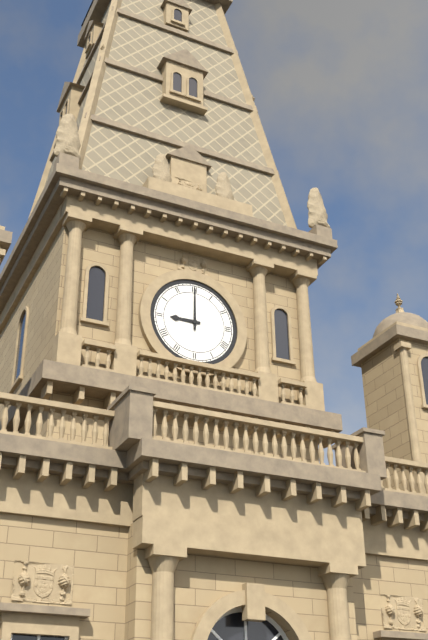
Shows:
9h00
